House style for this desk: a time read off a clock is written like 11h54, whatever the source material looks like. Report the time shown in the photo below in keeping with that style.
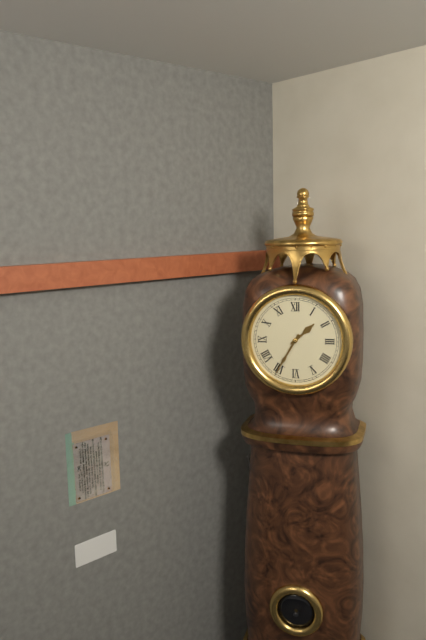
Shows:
1h35
